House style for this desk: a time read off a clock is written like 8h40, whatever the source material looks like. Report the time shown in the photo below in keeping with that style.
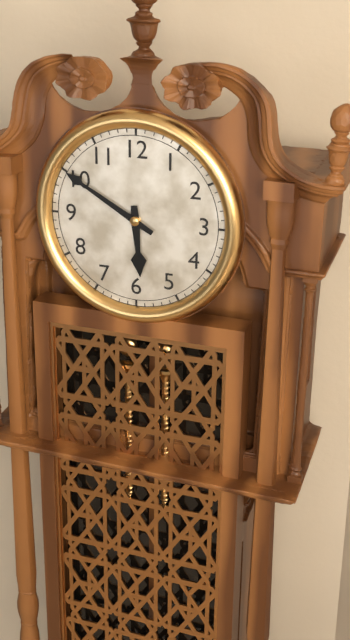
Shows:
5h50
